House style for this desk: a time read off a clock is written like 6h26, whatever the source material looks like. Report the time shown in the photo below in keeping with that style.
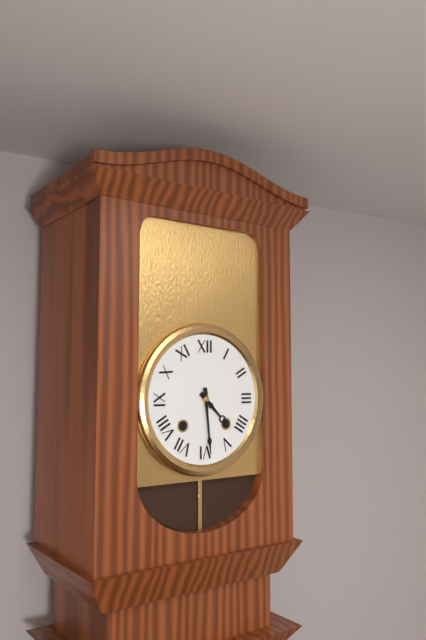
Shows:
4h29
